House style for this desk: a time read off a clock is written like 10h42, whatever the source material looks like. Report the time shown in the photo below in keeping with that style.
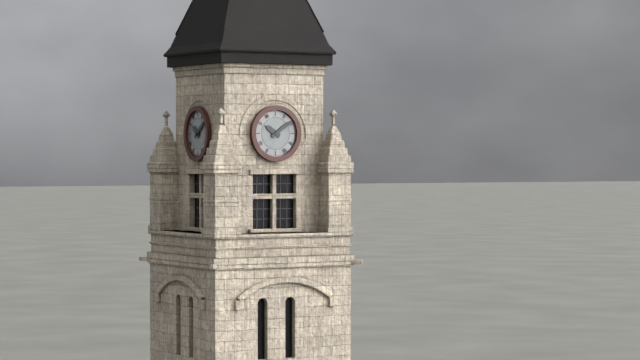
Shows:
10h09
